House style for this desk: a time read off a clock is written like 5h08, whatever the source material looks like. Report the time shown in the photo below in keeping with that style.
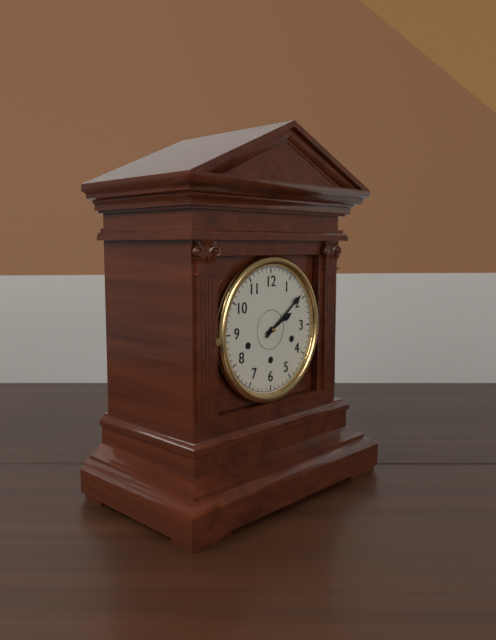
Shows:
2h09
